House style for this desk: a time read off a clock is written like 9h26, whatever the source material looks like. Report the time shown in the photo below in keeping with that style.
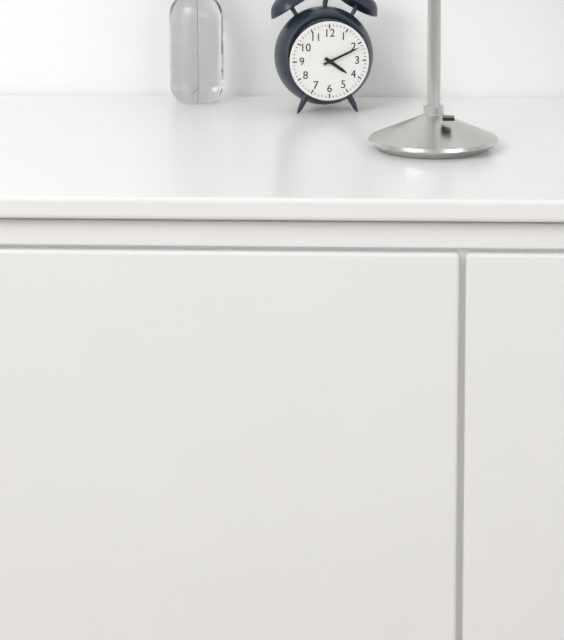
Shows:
4h11
